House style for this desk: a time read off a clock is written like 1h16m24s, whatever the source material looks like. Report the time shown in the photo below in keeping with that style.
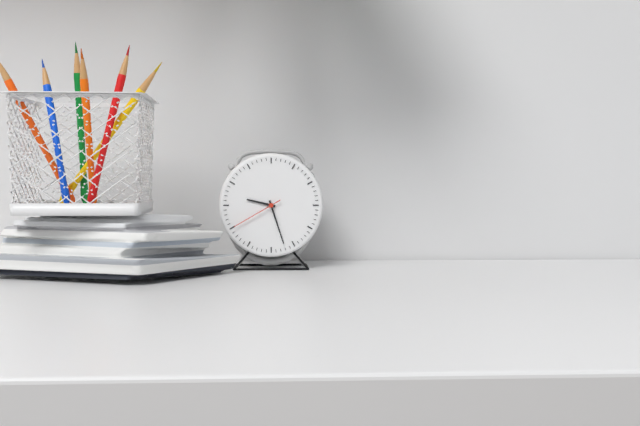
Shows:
9h27m40s
